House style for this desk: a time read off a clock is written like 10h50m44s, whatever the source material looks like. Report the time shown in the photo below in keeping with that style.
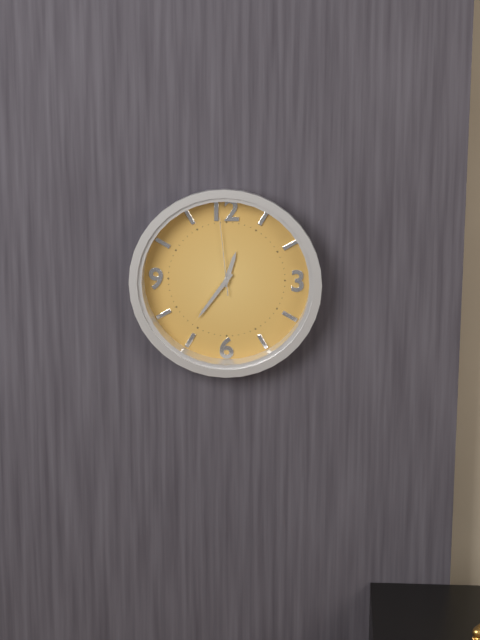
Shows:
12h36m59s
